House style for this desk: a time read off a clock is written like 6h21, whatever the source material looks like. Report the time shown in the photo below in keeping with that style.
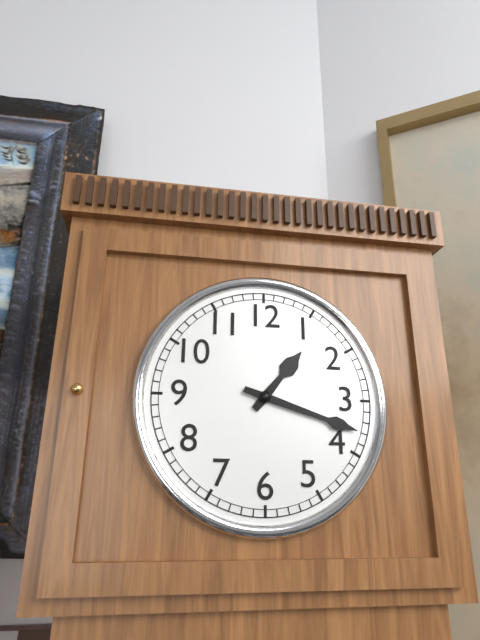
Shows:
1h18
